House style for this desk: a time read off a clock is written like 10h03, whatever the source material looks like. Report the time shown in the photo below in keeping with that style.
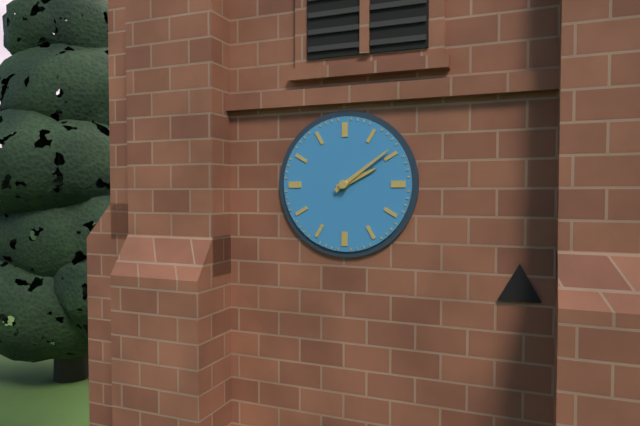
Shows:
2h09
